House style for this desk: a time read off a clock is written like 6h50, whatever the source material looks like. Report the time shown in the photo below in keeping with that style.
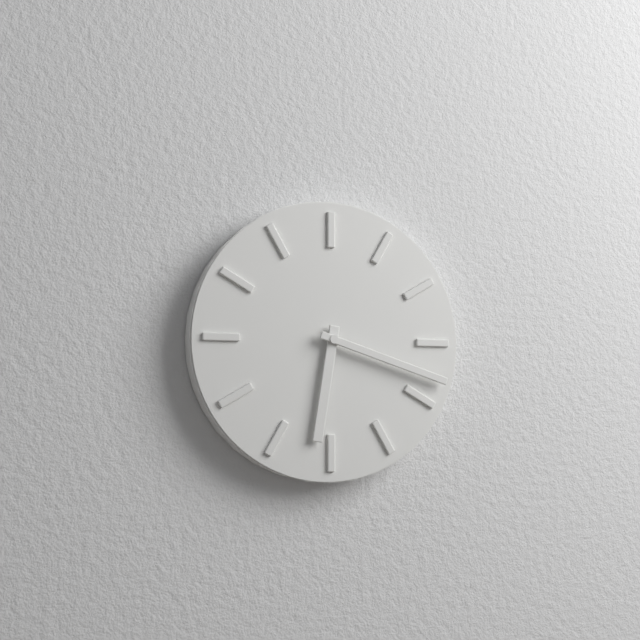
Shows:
6h18
